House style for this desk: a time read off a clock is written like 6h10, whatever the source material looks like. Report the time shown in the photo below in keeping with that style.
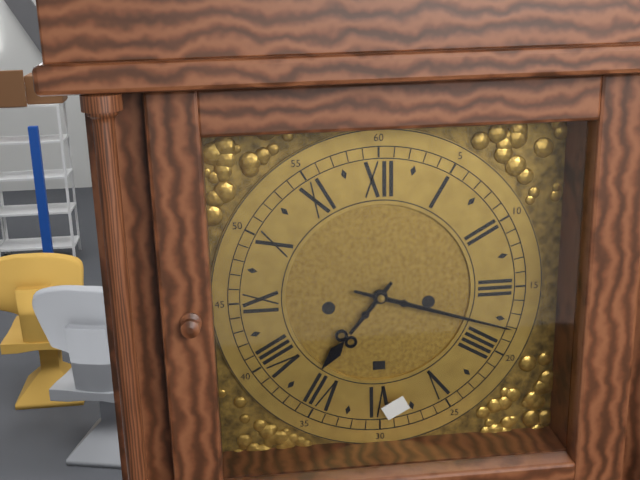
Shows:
7h18
